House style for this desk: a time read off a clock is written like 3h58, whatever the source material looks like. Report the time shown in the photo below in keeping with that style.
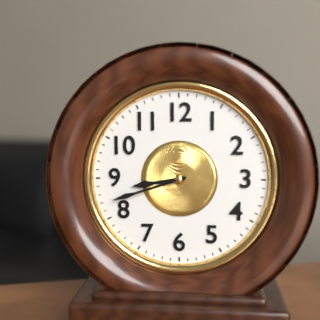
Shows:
8h42
